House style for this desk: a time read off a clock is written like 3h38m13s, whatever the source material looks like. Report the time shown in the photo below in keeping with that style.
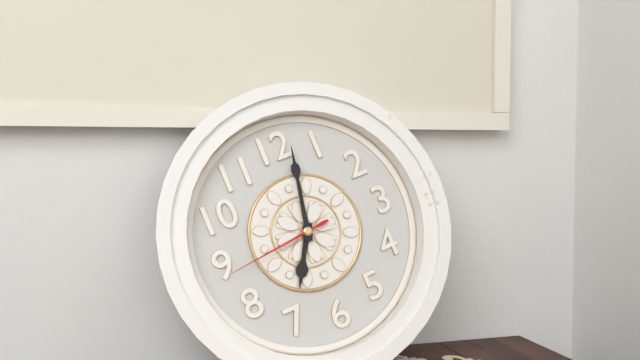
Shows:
7h02m44s
